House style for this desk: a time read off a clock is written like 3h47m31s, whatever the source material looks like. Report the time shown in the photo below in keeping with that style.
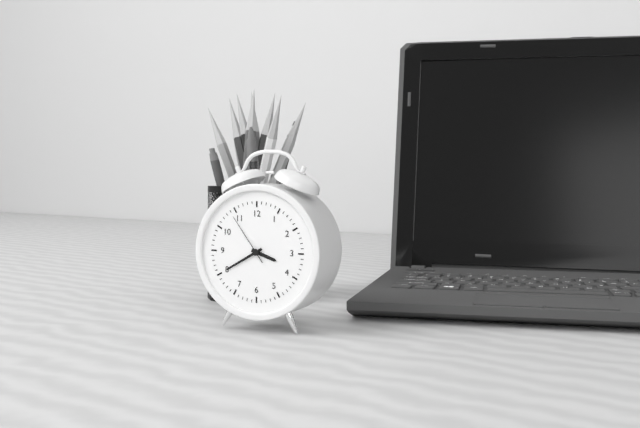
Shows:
3h40m54s
